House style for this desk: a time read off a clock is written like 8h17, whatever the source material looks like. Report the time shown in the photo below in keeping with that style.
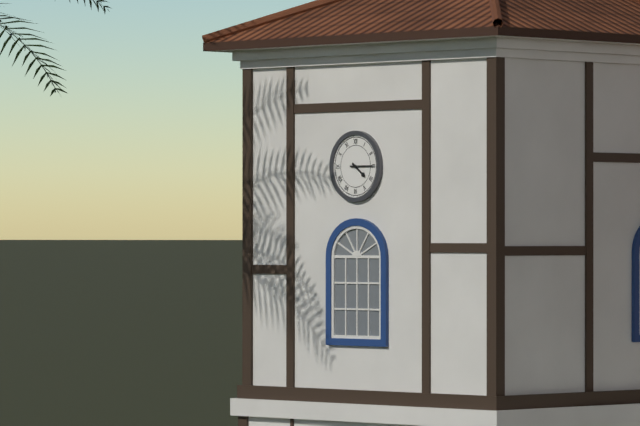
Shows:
4h15
